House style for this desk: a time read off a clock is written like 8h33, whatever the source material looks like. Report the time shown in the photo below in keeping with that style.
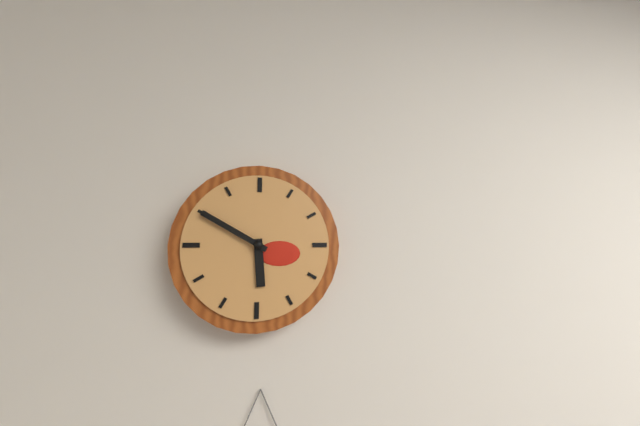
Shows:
5h50
